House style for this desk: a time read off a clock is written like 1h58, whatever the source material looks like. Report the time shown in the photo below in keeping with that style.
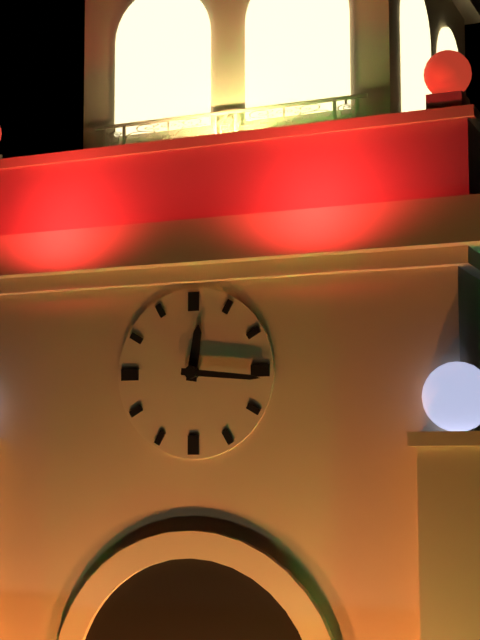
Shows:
12h16
